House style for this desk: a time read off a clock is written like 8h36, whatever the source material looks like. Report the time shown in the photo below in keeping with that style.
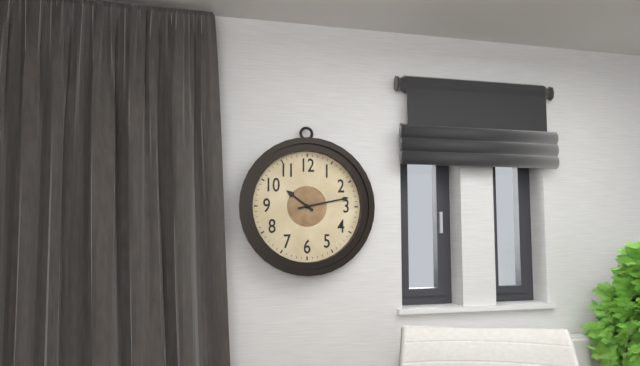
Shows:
10h13
